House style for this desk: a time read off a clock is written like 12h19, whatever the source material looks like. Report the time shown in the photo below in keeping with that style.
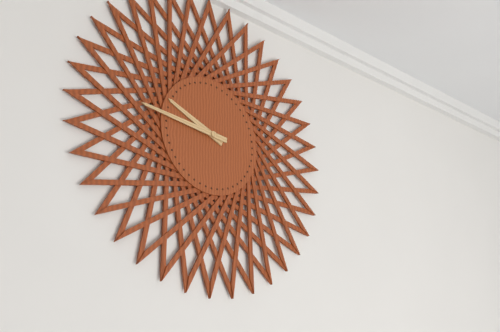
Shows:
9h46
